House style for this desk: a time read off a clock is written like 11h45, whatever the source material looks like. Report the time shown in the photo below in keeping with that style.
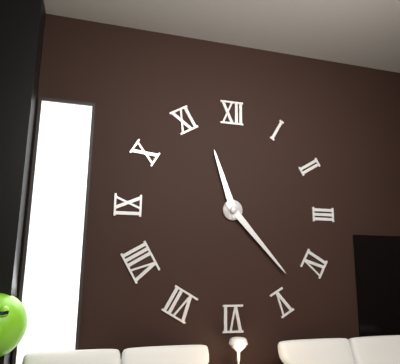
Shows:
11h23
